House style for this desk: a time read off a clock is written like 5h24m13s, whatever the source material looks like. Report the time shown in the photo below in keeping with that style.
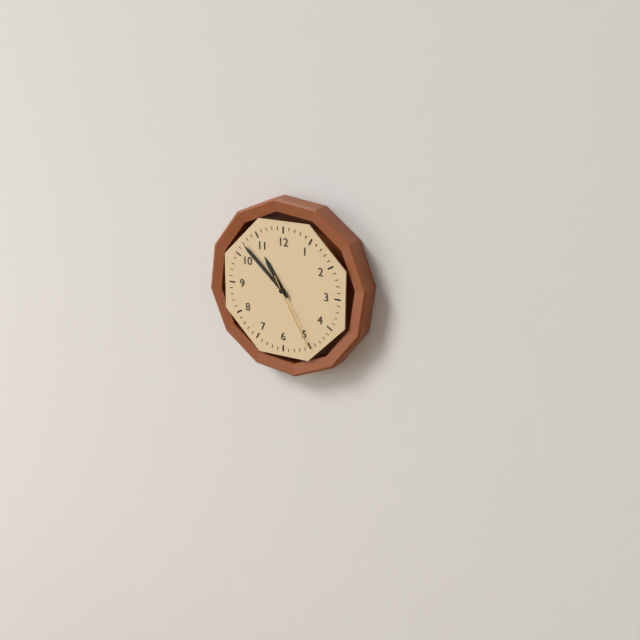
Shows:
10h52m25s
